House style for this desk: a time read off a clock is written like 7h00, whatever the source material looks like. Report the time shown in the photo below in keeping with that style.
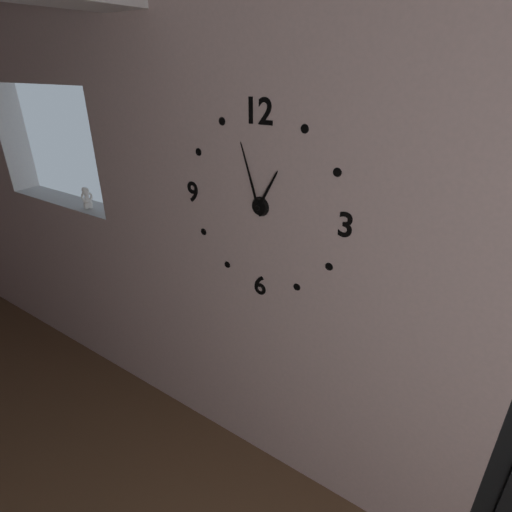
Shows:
12h57
